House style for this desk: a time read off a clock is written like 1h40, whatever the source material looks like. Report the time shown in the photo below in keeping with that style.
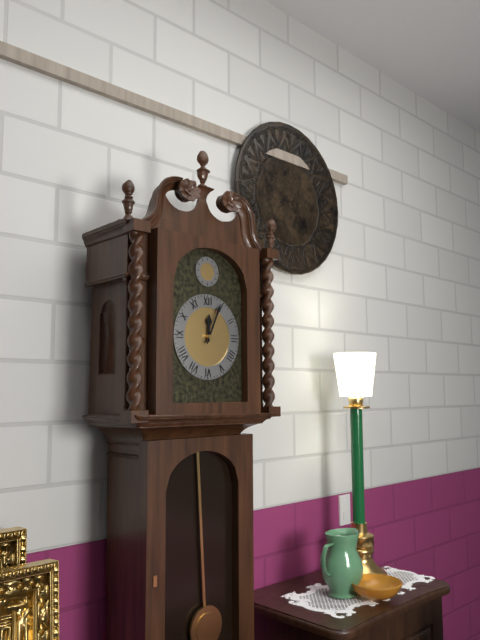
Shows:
12h04
